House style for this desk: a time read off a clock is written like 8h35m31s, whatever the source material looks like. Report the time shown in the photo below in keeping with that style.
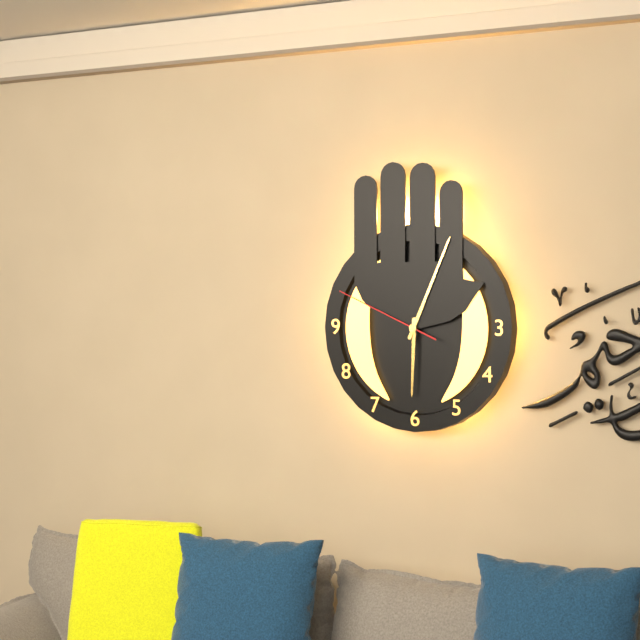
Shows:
6h04m49s
